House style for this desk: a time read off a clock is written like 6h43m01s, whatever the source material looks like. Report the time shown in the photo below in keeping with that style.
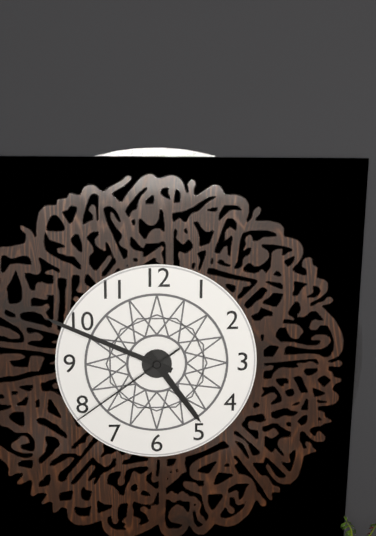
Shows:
4h49m39s
